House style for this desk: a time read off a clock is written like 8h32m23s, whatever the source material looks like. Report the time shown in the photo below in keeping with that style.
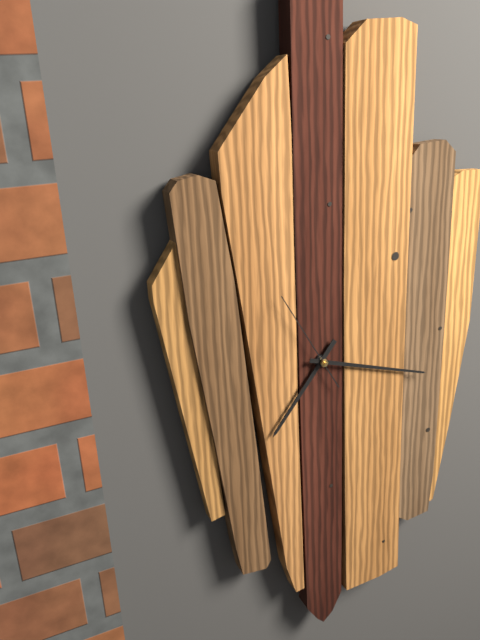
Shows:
7h18m55s
